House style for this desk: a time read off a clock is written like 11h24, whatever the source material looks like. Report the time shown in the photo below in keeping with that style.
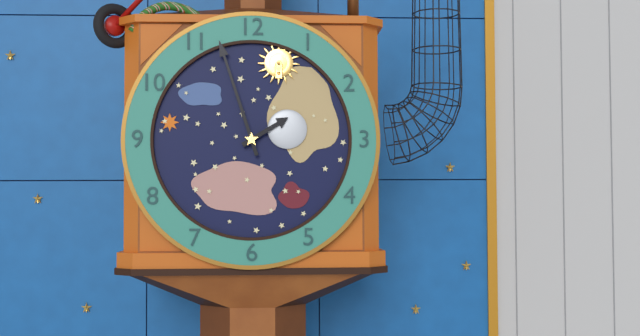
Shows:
1h57
